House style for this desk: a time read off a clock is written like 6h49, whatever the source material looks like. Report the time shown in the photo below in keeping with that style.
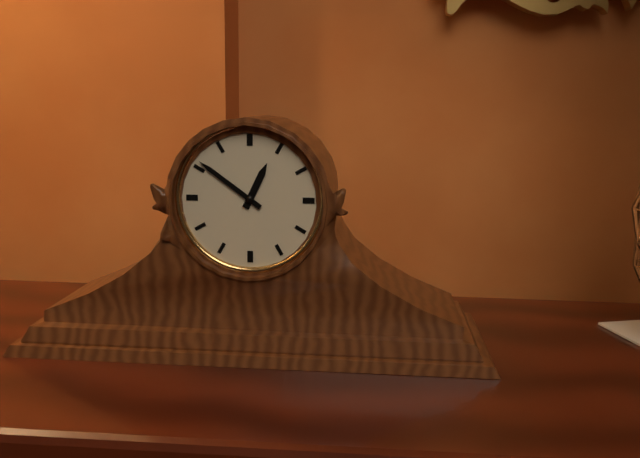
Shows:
12h51
